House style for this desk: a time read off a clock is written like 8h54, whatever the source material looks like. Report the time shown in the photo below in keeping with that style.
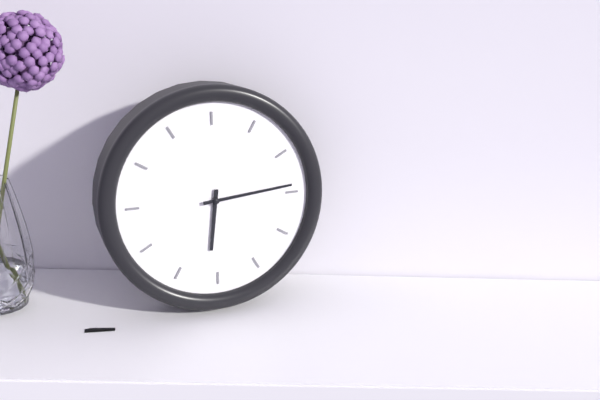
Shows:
6h14
